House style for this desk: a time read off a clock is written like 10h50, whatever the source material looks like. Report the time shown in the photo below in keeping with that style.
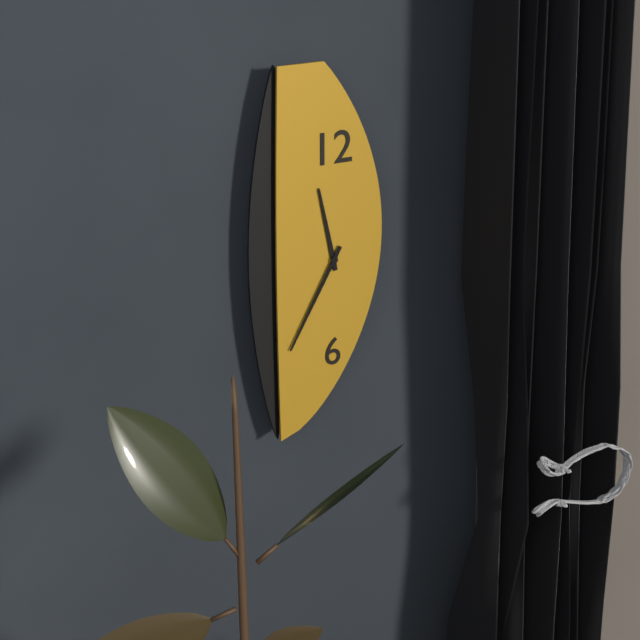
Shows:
11h35
